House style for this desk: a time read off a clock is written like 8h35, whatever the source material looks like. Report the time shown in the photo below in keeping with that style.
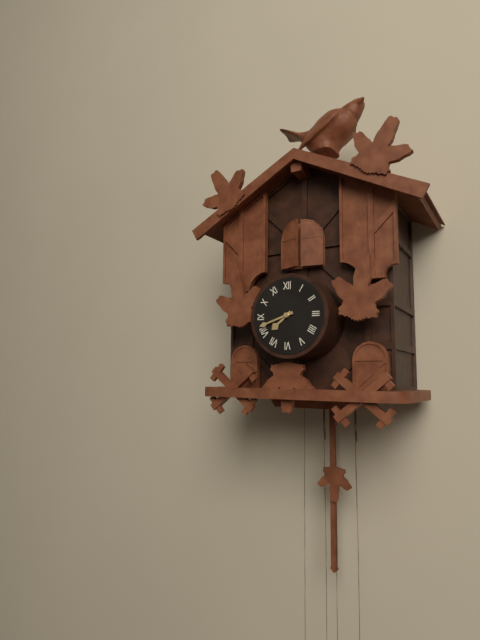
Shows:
7h42
